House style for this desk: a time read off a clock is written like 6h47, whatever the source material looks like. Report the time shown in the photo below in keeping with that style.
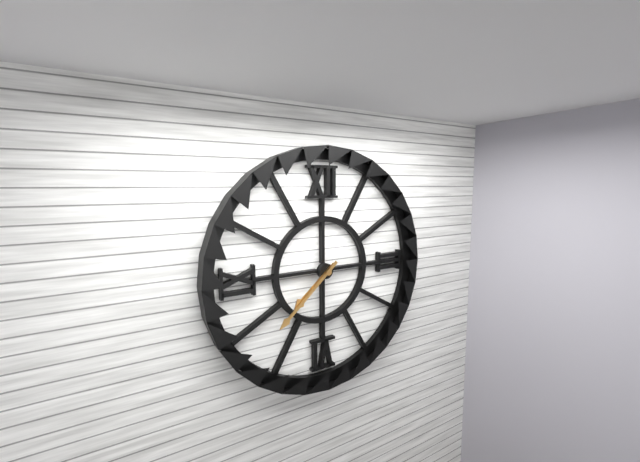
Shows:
7h38
